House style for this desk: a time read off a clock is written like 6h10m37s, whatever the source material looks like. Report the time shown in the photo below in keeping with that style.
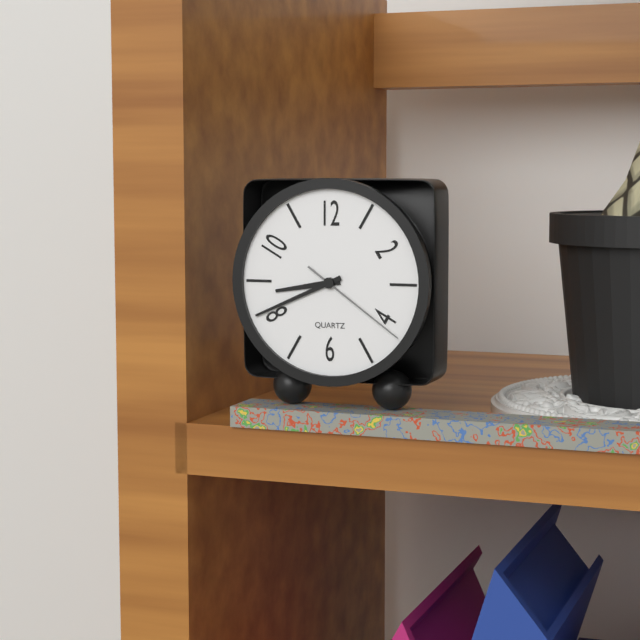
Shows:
8h41m21s
